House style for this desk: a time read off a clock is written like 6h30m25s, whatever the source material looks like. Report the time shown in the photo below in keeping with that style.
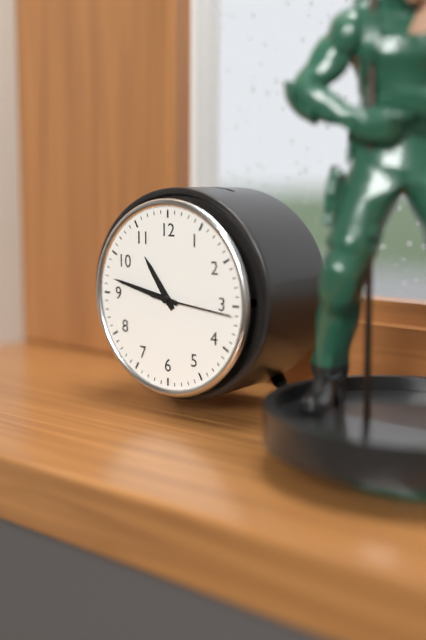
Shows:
10h47m16s
